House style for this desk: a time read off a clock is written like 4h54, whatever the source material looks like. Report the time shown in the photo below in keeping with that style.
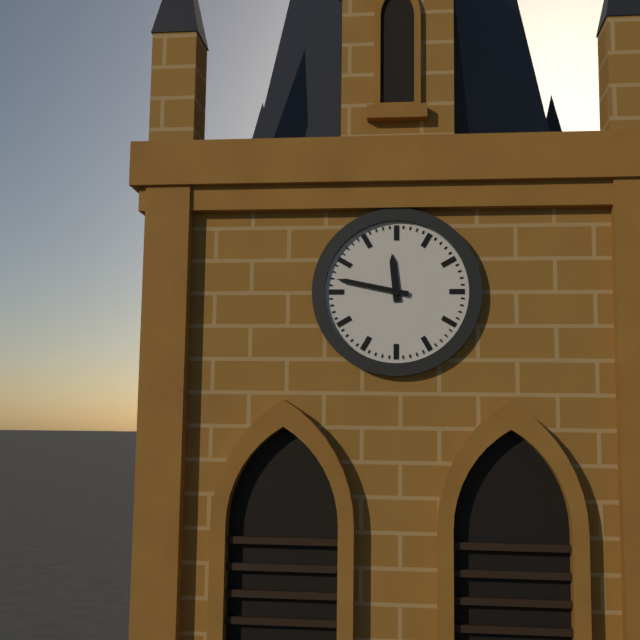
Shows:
11h47
